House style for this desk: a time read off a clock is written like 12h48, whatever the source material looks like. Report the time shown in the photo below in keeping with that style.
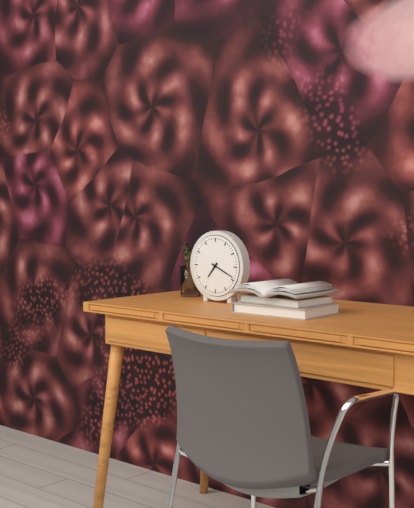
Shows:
7h19
